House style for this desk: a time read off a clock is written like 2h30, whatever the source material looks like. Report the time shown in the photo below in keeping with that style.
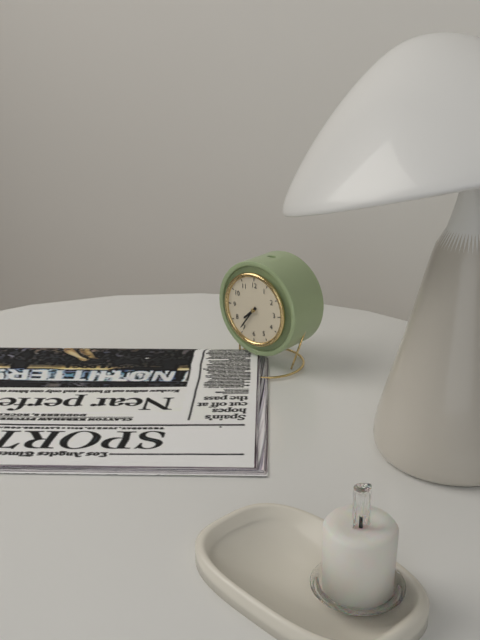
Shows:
7h36
